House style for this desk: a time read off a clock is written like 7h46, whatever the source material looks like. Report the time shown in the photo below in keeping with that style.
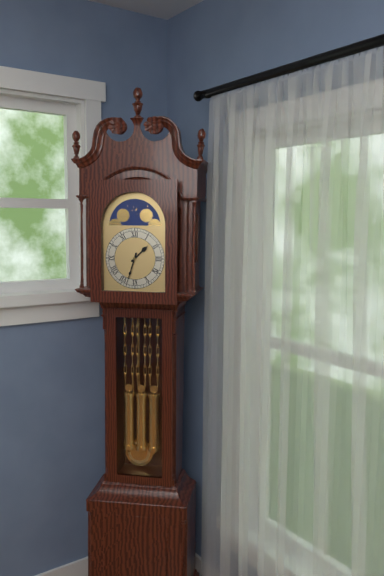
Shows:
1h33
